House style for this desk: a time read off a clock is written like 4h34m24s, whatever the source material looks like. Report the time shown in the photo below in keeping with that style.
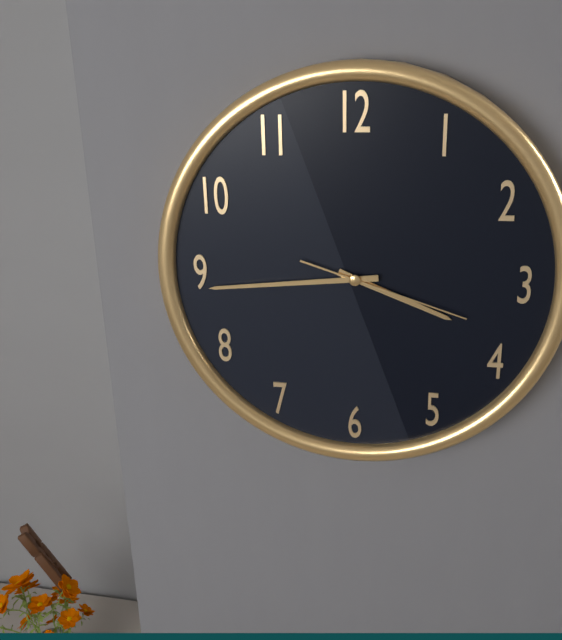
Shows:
3h44m18s
